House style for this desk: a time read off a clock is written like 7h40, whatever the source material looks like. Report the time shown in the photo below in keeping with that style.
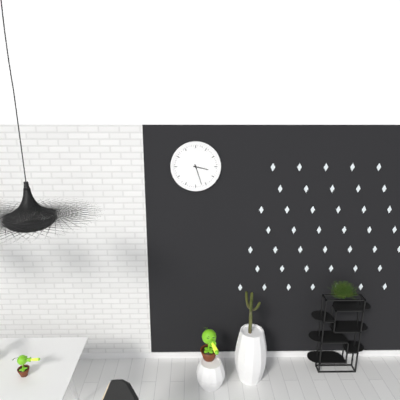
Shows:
3h27
